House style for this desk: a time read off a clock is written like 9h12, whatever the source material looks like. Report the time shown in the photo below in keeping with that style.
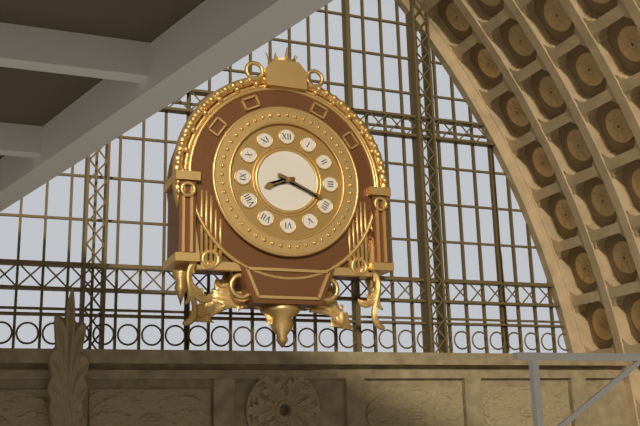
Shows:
8h19
